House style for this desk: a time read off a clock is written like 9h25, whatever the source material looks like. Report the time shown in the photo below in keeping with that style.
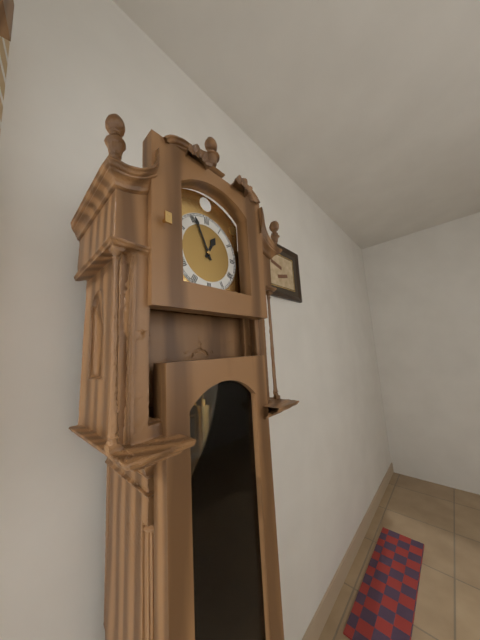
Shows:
12h56
